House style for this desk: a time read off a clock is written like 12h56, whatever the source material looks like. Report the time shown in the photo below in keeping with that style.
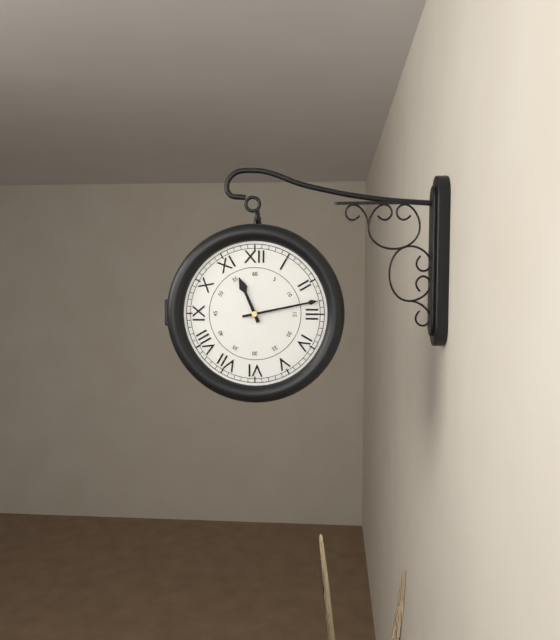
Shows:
11h13
